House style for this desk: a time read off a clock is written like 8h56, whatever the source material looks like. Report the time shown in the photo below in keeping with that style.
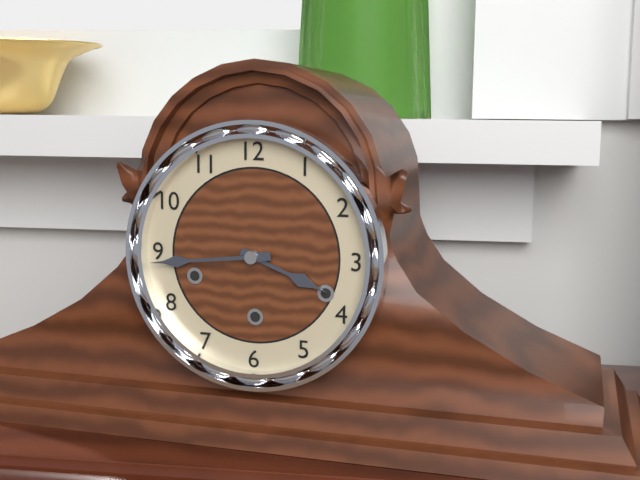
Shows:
3h44
